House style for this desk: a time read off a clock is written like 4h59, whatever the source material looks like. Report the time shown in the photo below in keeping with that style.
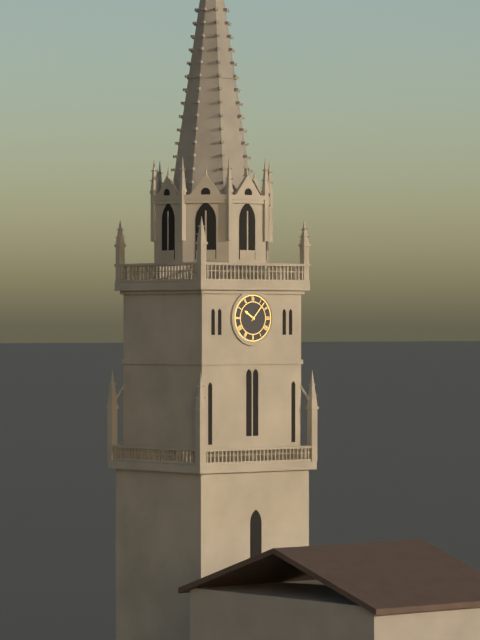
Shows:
10h07
